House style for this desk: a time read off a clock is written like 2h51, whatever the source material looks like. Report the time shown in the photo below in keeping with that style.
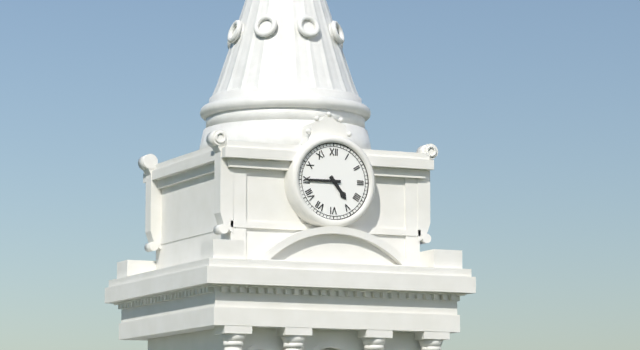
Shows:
4h45
